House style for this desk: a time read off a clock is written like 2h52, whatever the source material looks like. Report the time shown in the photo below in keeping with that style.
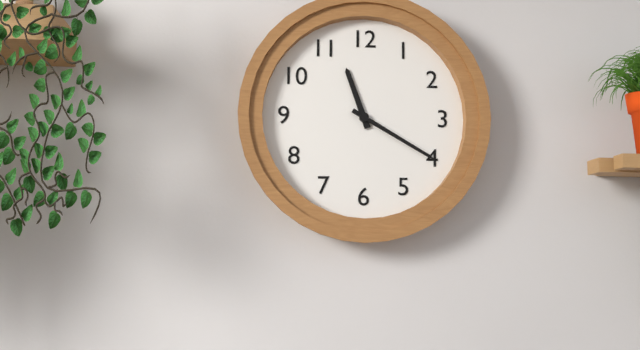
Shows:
11h20
